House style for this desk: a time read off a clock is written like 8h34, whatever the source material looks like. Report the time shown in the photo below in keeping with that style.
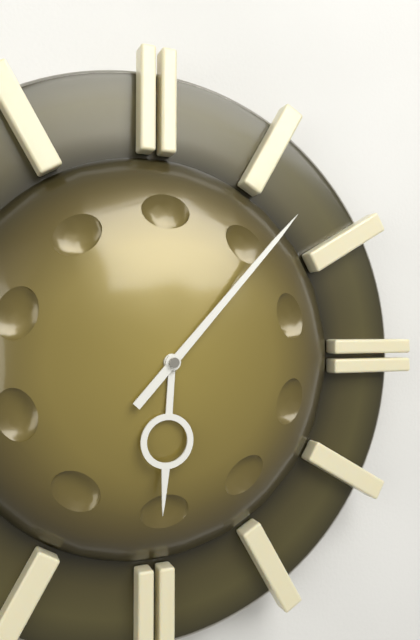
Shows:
6h07
